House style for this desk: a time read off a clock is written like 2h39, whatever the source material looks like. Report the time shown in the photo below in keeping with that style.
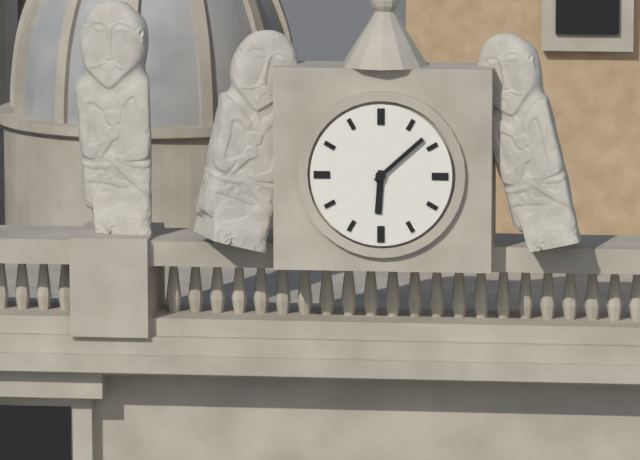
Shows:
6h08
